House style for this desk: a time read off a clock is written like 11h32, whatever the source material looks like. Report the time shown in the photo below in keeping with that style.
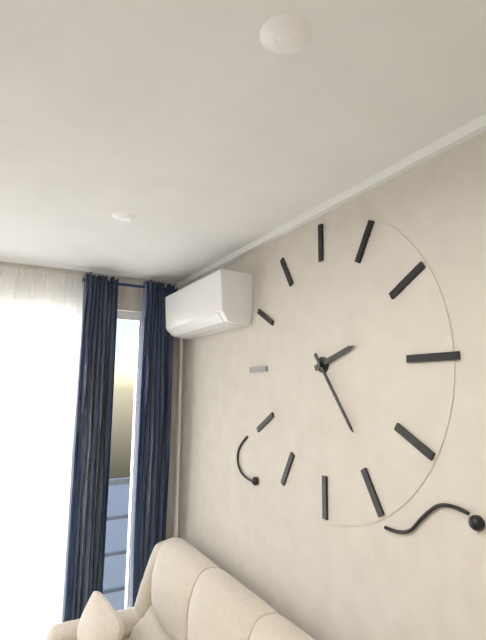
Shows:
2h24
